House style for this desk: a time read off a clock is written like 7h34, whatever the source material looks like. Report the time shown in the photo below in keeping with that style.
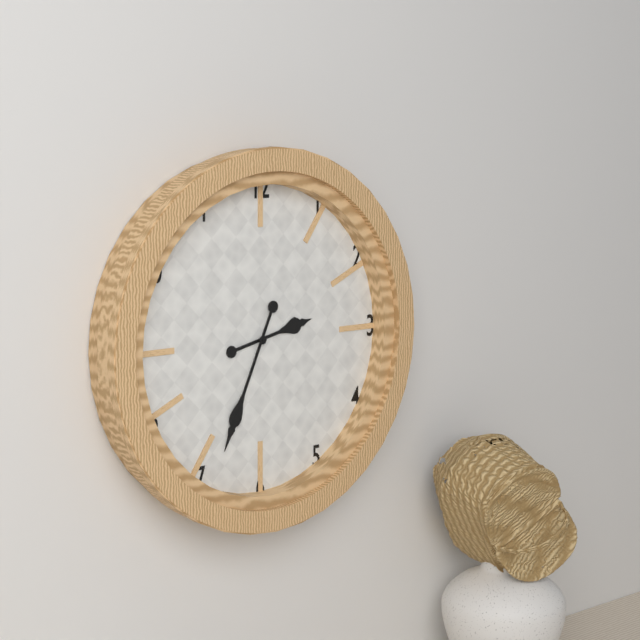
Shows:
2h34
